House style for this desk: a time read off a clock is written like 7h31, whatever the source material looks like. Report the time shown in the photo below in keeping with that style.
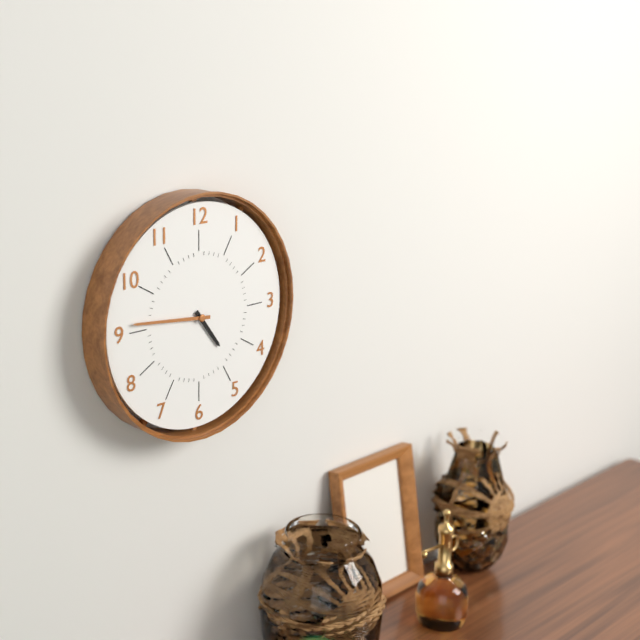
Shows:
4h46
